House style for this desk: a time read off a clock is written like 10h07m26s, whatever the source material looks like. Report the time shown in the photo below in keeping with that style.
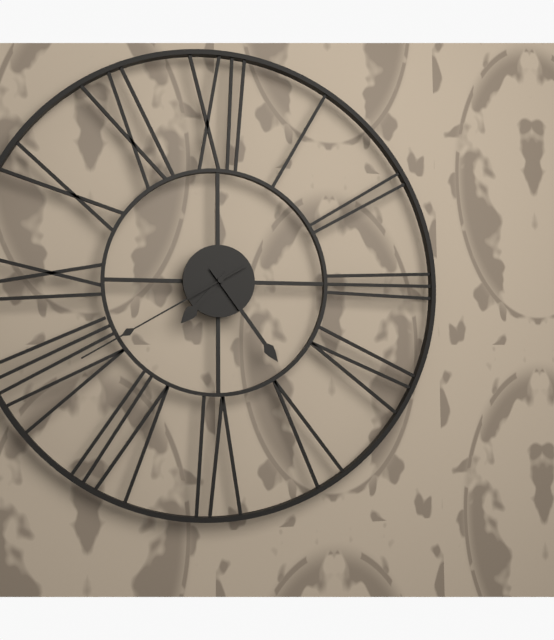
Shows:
7h24m40s
